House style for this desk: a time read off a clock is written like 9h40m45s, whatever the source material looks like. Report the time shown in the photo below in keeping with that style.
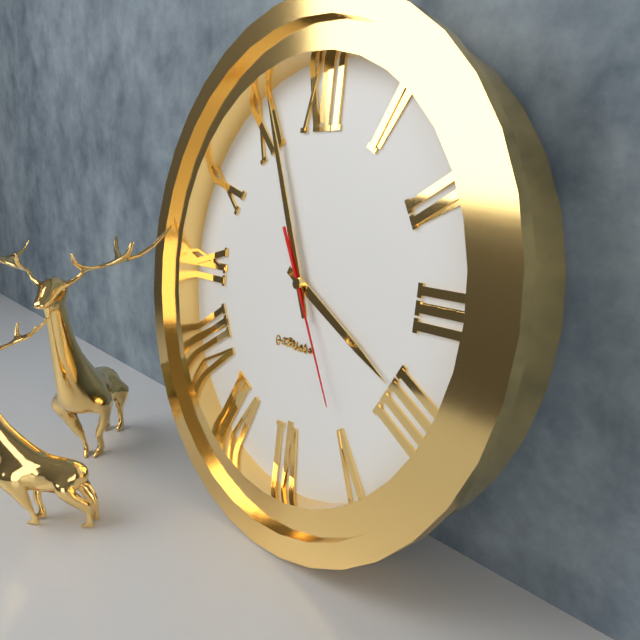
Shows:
3h56m25s
